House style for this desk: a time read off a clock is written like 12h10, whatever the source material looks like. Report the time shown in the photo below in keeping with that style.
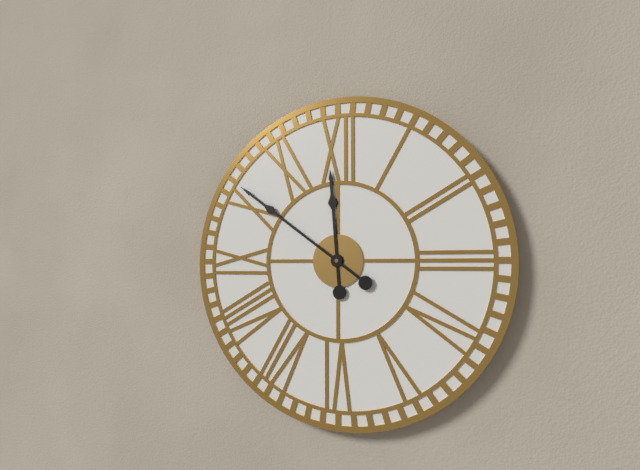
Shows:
11h51
